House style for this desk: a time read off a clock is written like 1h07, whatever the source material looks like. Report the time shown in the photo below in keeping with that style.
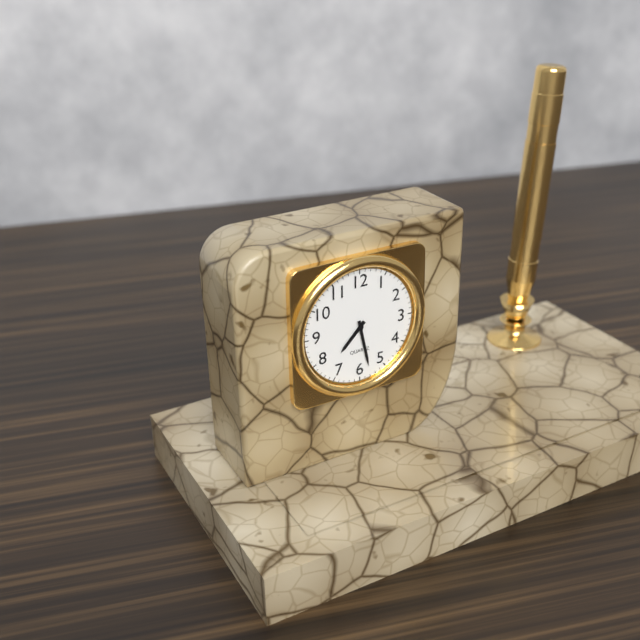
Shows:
7h28
